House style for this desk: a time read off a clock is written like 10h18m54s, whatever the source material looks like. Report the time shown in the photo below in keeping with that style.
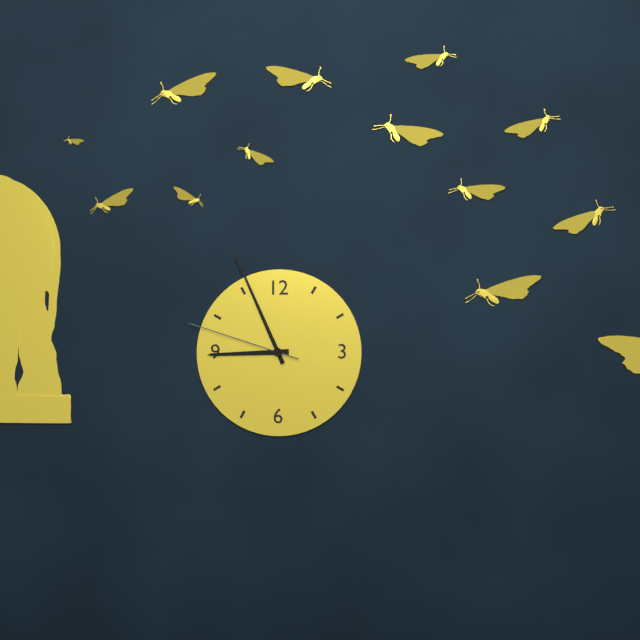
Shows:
8h56m48s
